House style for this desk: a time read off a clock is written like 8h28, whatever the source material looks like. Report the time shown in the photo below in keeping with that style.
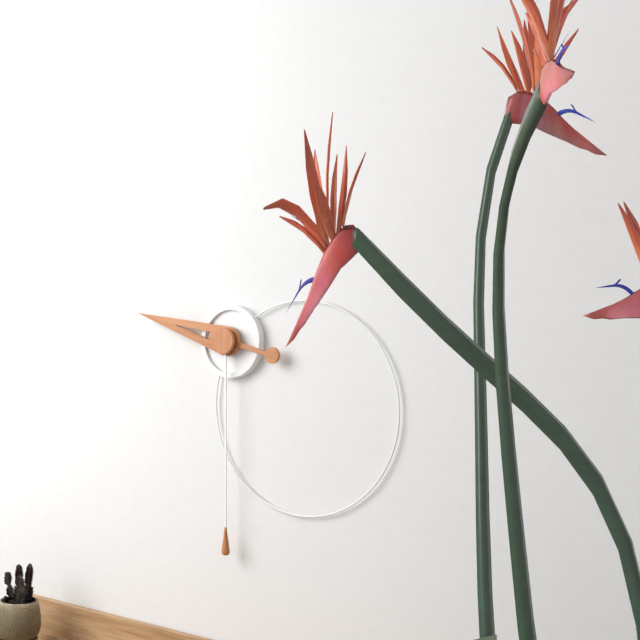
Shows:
9h30
